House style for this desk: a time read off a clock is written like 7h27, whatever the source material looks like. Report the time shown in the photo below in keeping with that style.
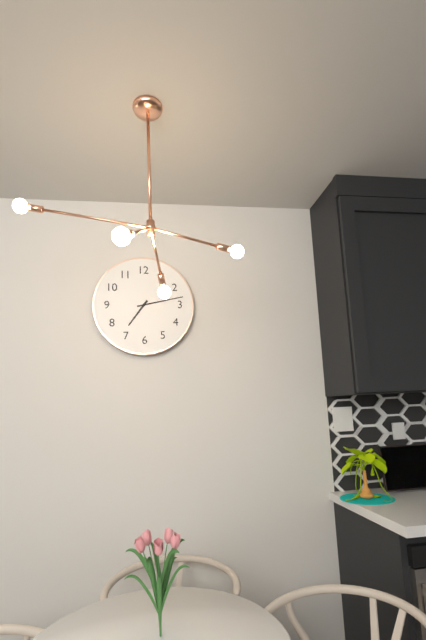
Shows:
7h13
